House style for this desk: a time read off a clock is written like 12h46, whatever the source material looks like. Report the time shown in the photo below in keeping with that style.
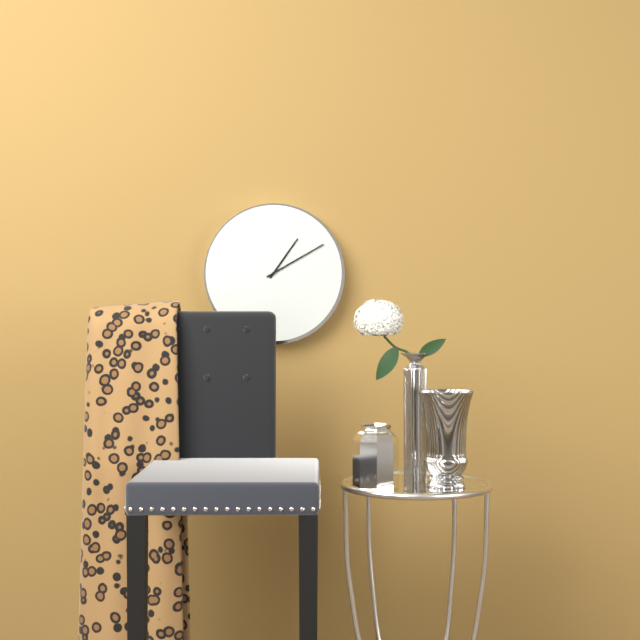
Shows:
1h10
